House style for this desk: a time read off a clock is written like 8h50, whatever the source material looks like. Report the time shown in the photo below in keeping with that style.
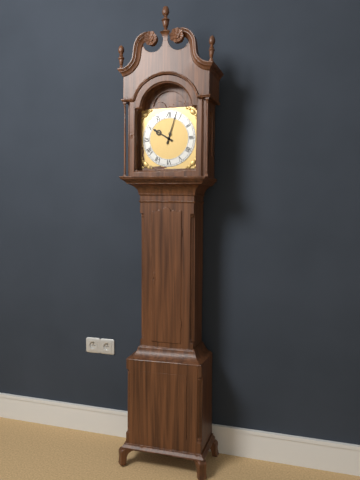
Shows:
10h03
